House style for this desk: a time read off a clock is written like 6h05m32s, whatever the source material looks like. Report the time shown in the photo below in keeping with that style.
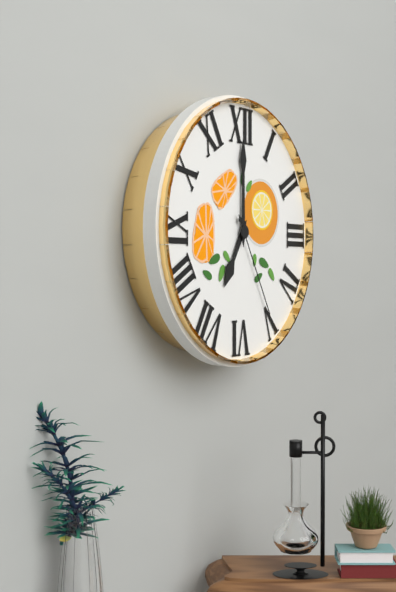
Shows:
7h00m25s
